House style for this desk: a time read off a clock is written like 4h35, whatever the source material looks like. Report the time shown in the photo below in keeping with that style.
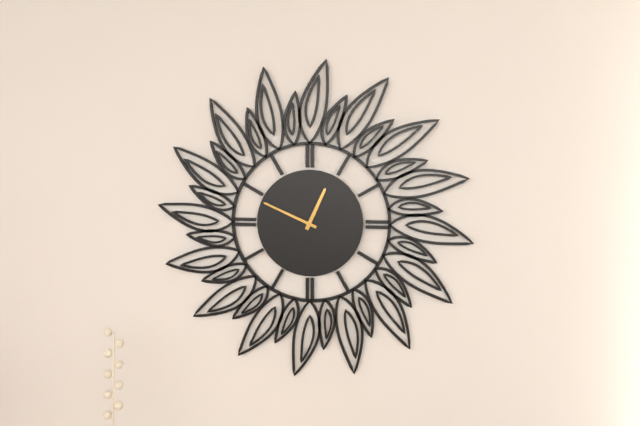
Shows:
12h49
